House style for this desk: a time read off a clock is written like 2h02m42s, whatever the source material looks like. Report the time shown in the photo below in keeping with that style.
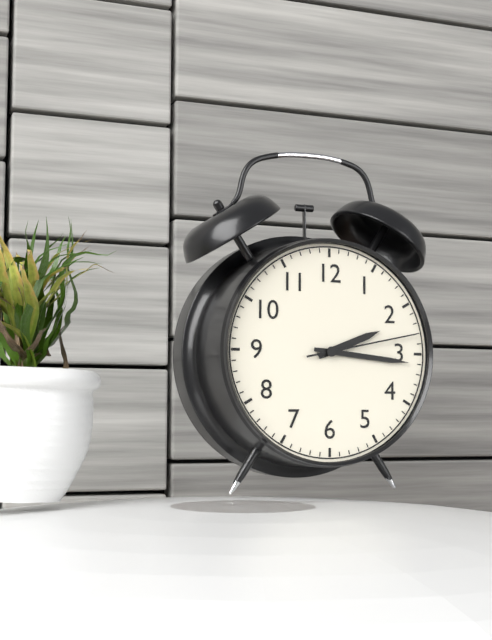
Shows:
2h16m13s
